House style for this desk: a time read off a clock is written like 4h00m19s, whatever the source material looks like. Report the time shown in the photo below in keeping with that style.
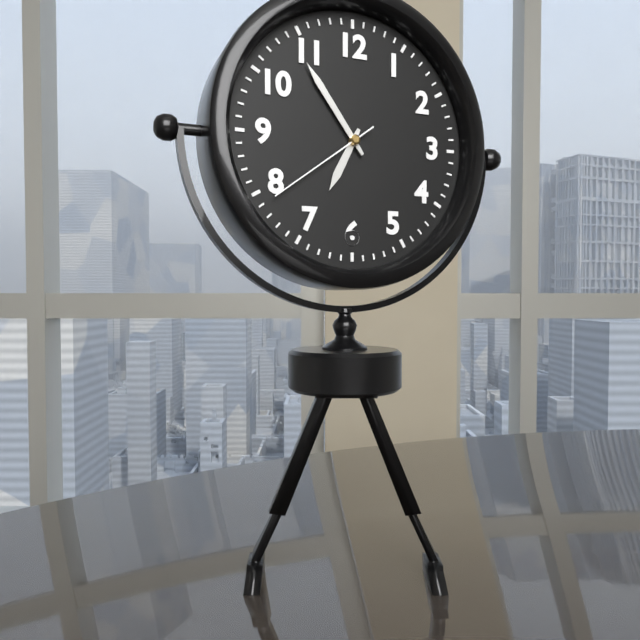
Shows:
6h54m39s
